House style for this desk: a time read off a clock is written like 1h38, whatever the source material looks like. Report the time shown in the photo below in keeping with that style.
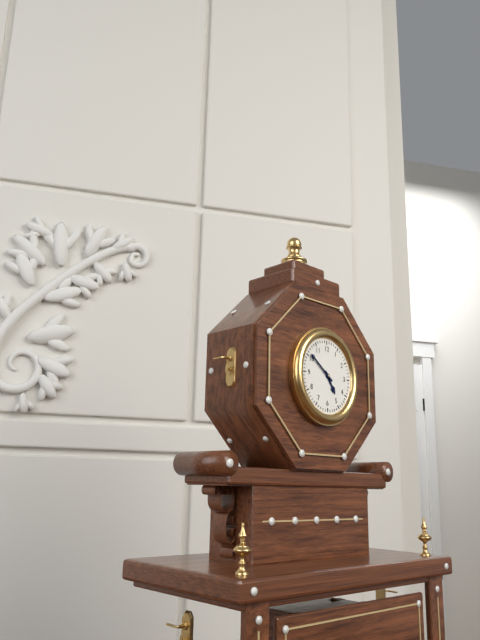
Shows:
4h51
